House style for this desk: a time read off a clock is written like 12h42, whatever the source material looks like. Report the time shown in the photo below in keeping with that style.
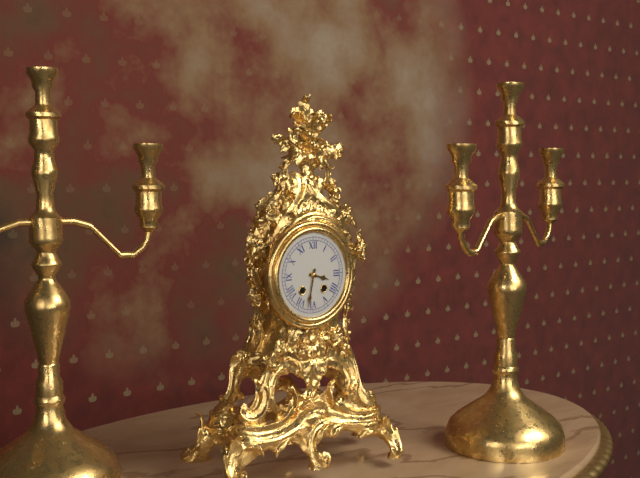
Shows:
3h32
